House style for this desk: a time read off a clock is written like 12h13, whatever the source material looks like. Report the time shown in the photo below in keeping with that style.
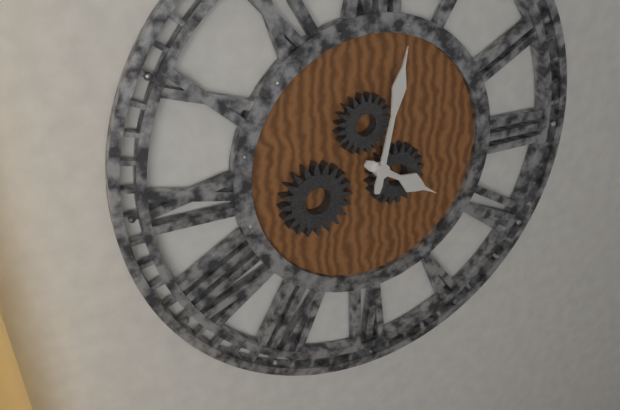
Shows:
4h02
